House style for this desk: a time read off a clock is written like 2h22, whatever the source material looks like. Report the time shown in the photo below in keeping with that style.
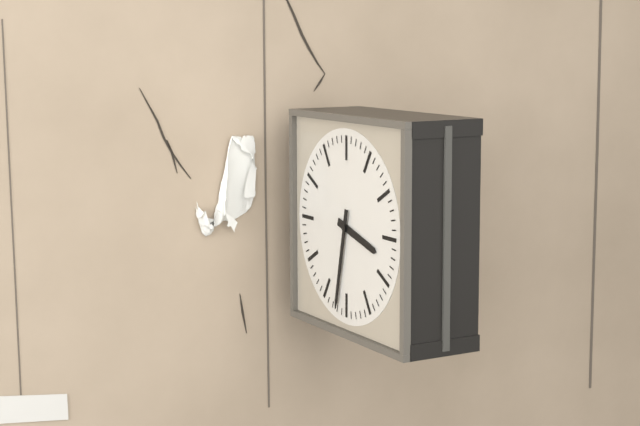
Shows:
3h32
